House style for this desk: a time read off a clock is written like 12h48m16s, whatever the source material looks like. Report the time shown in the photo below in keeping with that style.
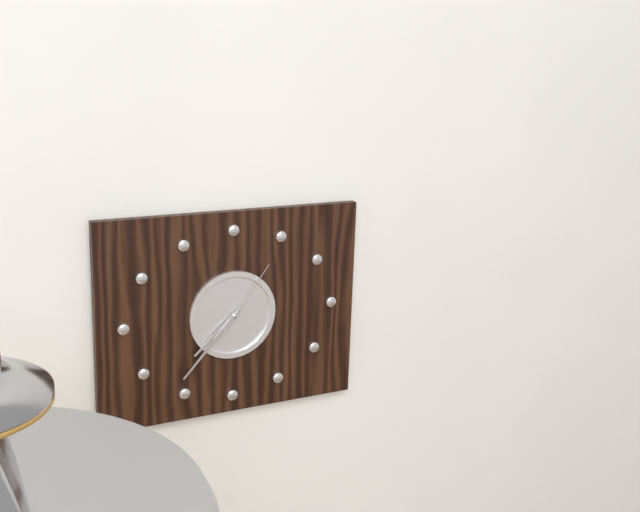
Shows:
7h37m06s
